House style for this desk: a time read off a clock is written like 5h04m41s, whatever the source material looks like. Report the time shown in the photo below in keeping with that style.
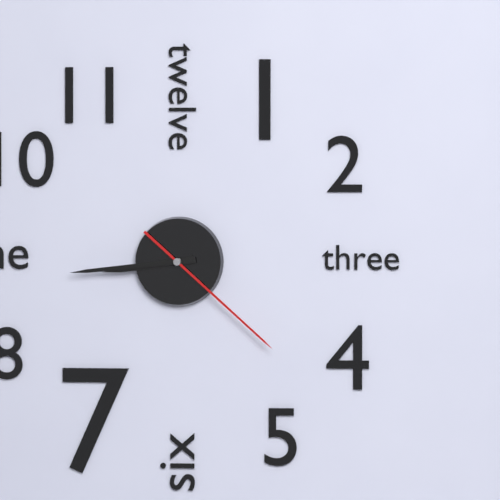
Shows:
8h44m22s
